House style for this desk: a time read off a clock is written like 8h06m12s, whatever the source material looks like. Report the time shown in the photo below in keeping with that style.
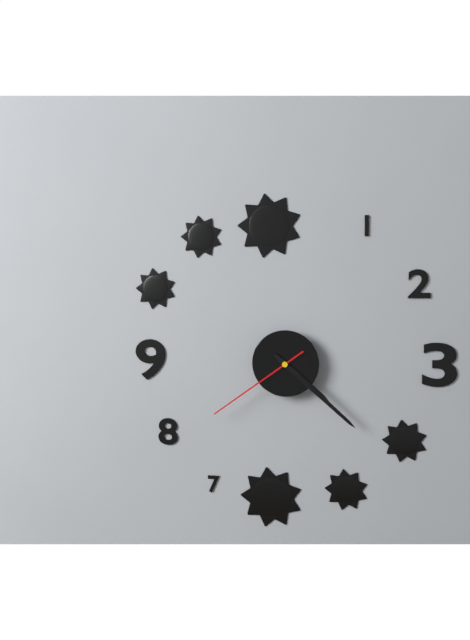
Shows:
4h22m39s
